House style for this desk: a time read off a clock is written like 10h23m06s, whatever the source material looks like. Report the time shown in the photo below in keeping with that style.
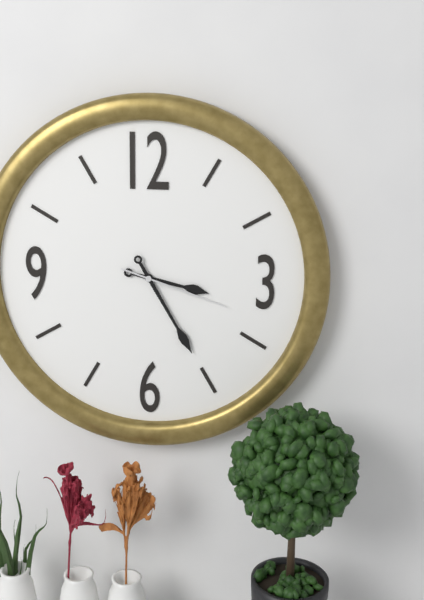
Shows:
3h25m18s
